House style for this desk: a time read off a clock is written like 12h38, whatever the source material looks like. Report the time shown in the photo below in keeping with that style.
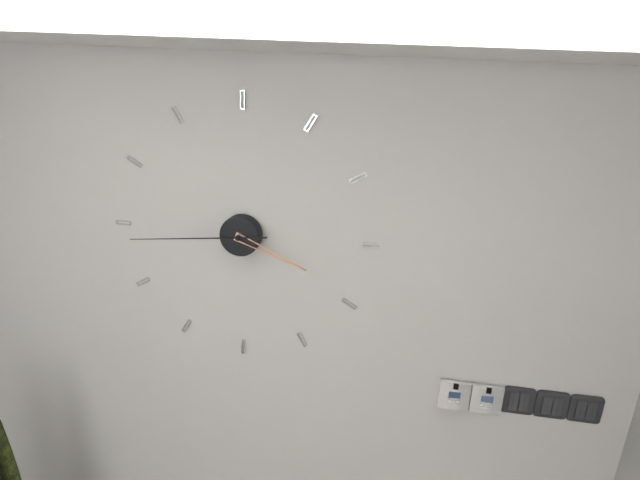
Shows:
3h44
